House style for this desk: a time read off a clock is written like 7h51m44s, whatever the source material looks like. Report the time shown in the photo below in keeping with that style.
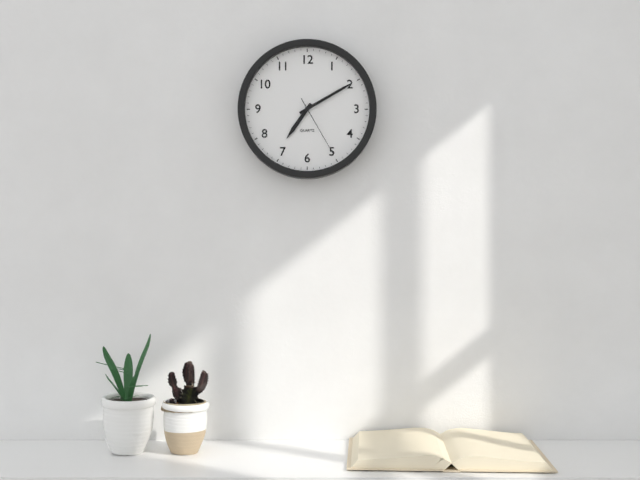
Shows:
7h10m25s
